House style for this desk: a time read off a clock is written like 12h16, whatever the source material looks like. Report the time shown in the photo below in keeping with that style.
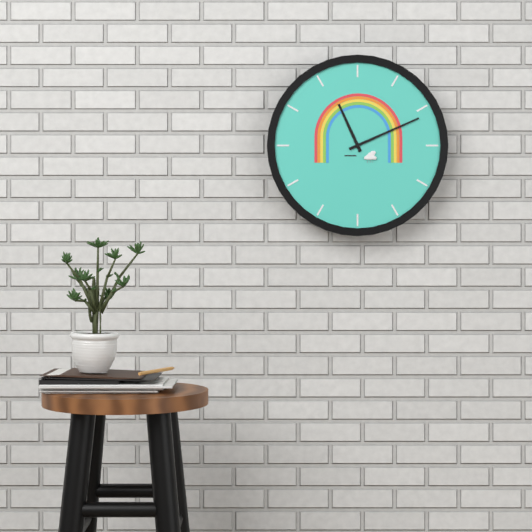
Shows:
11h11
